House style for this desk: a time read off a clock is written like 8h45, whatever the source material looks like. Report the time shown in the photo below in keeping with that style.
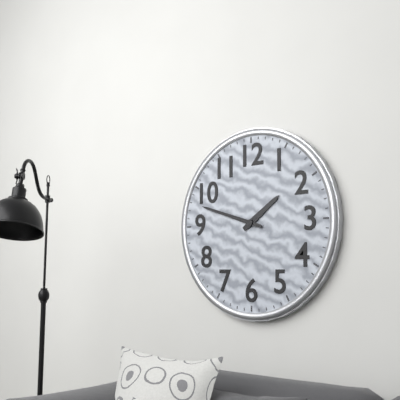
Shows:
1h48
